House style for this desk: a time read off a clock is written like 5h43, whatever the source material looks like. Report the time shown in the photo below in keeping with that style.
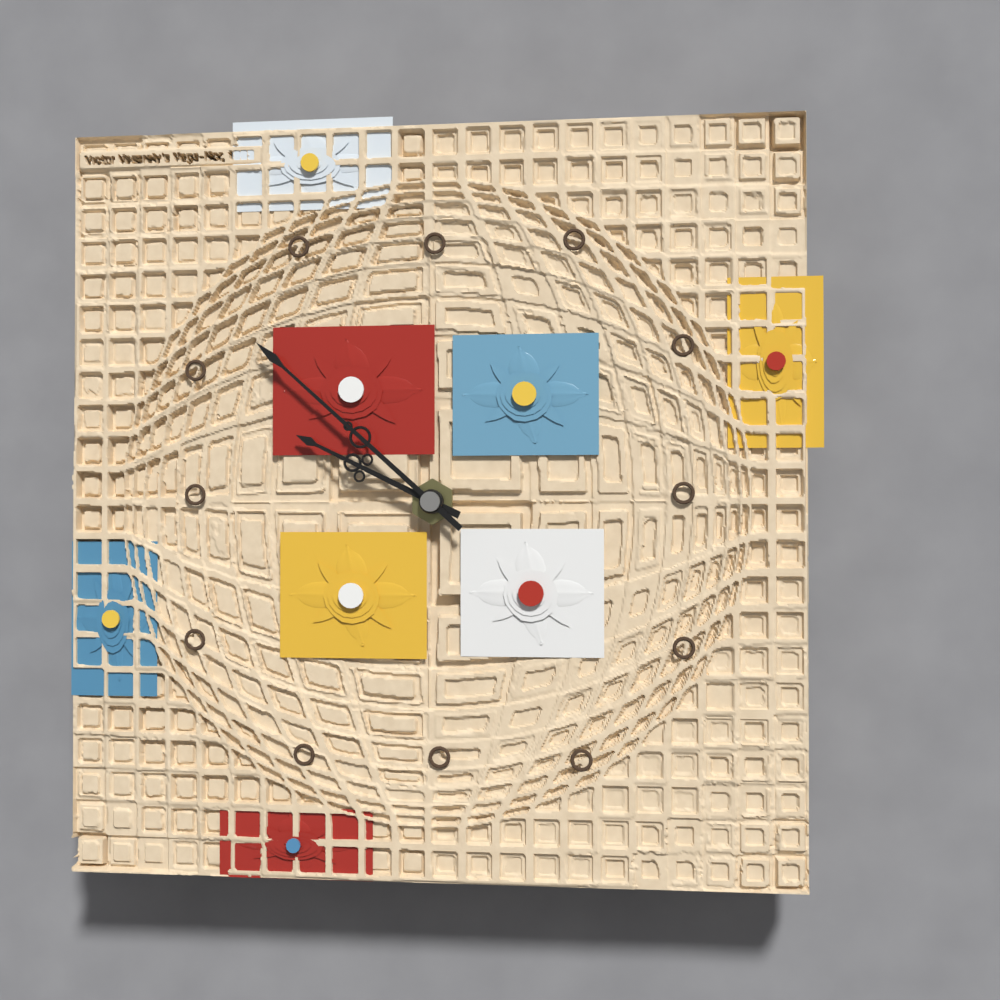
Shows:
9h52
